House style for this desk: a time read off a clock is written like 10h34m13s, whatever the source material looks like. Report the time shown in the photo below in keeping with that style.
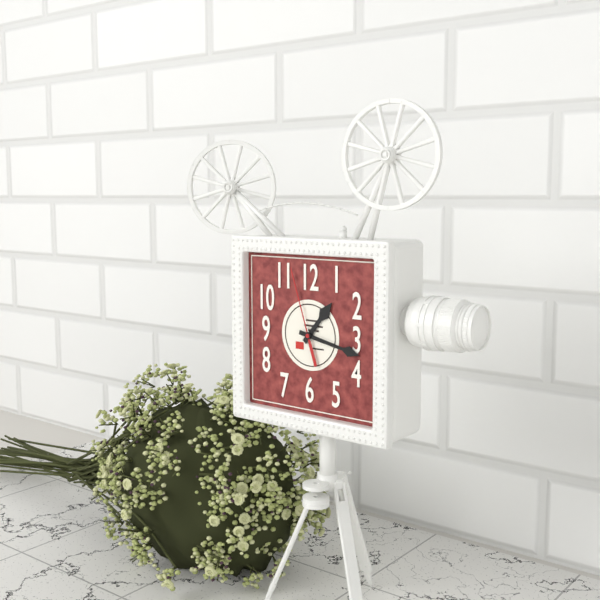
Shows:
1h17m57s
